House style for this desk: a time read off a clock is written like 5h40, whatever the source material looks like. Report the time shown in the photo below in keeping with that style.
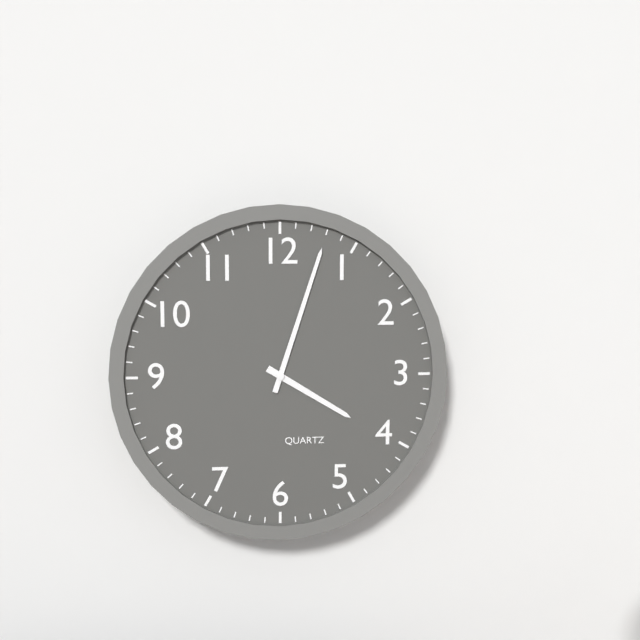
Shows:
4h03
